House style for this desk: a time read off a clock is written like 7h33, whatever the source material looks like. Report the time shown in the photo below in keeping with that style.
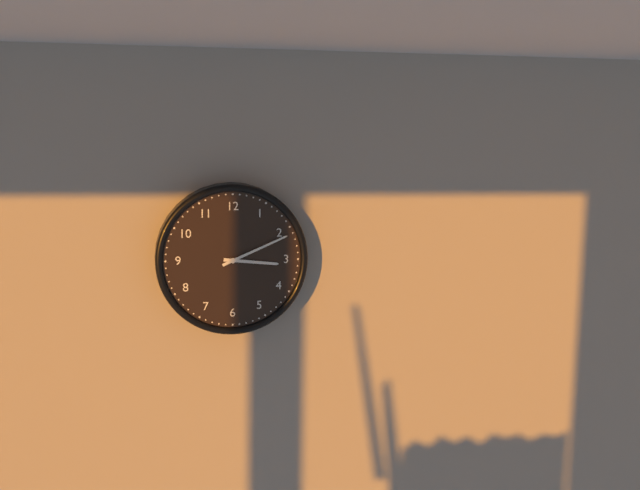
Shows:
3h11
